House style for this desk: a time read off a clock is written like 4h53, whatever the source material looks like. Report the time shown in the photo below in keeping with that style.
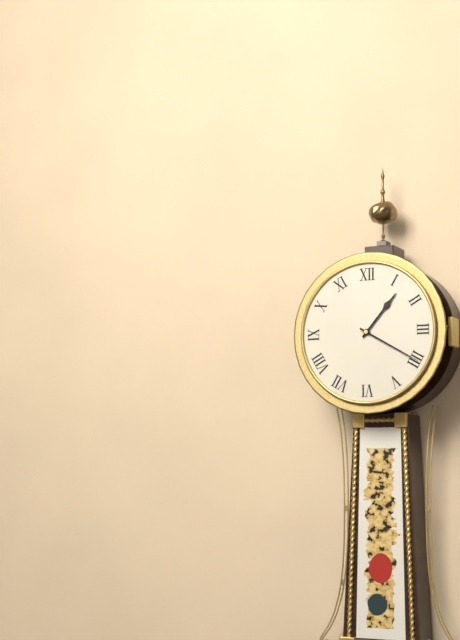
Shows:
1h20
